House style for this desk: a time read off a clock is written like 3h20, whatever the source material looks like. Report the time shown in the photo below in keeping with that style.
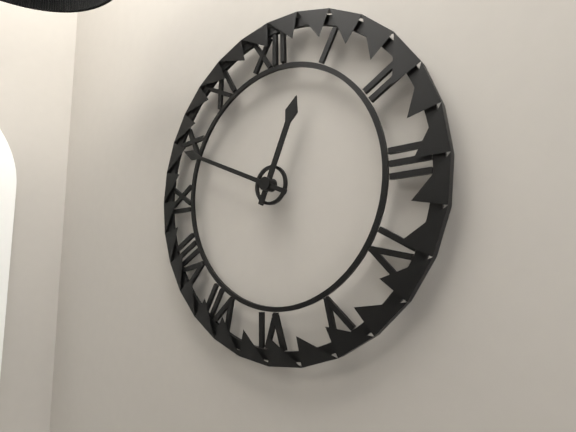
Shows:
12h49
